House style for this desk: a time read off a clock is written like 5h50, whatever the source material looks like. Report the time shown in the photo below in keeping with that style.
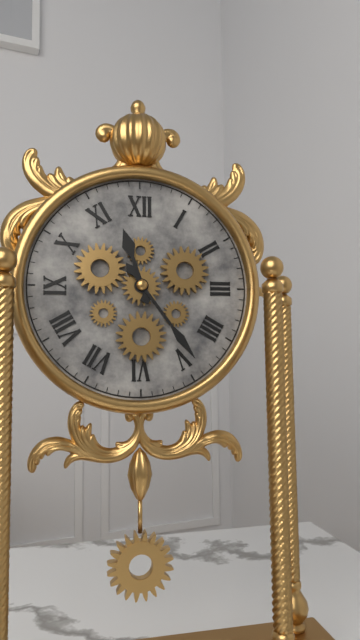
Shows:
11h24
